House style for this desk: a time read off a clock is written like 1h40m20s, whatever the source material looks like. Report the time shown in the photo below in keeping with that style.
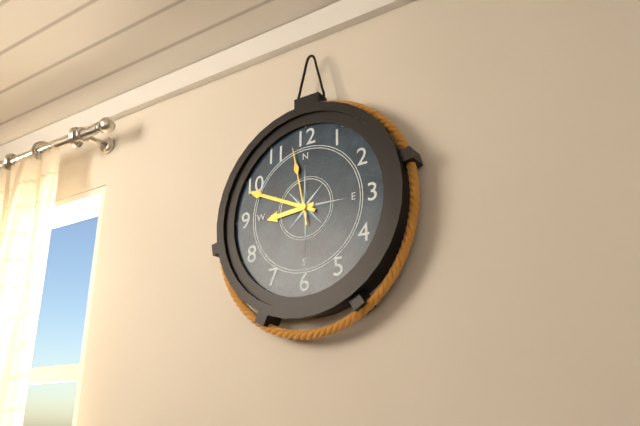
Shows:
8h49m58s
